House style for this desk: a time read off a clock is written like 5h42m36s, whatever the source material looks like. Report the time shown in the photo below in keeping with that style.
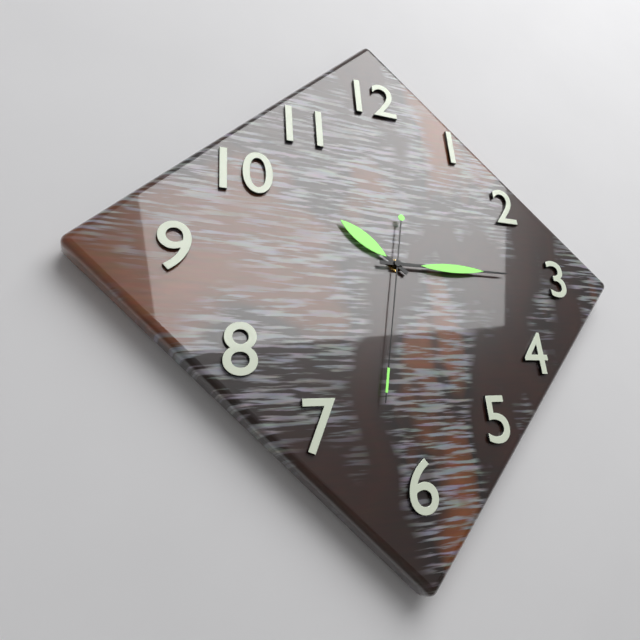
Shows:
10h15m32s
